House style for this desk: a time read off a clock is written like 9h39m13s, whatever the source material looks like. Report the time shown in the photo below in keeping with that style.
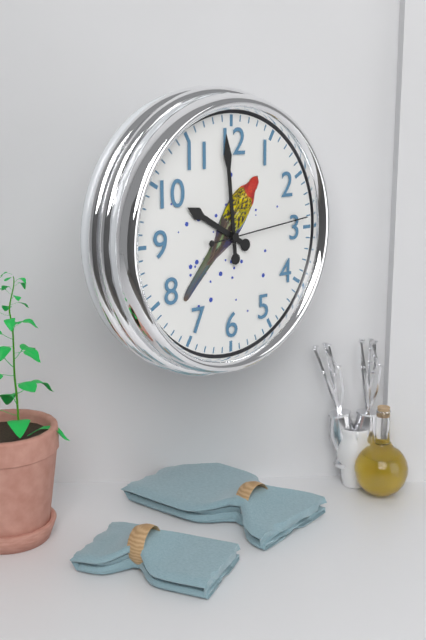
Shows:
9h59m14s
